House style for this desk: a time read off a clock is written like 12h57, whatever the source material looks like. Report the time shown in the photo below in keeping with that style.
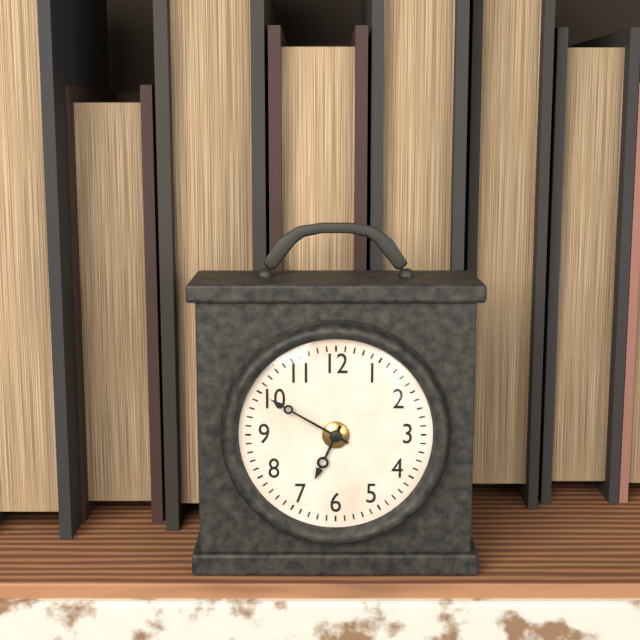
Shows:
6h50
